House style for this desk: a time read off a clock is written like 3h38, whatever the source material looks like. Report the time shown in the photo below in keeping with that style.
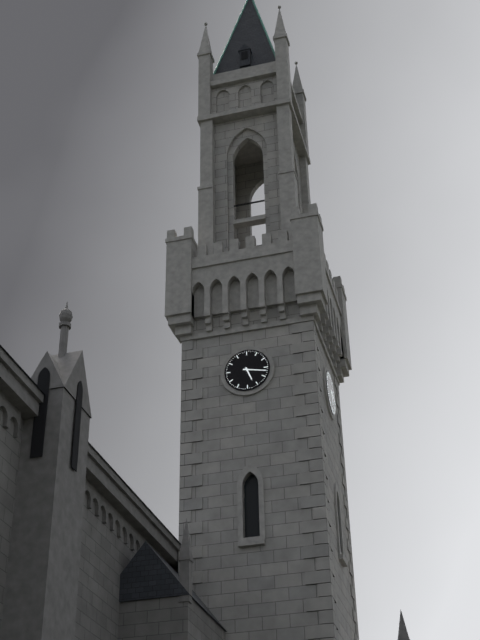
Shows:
5h17
